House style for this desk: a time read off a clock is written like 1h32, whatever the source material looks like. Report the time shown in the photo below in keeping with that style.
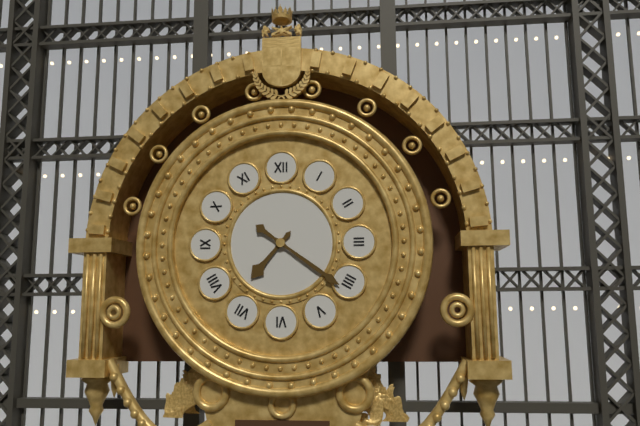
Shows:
7h21
